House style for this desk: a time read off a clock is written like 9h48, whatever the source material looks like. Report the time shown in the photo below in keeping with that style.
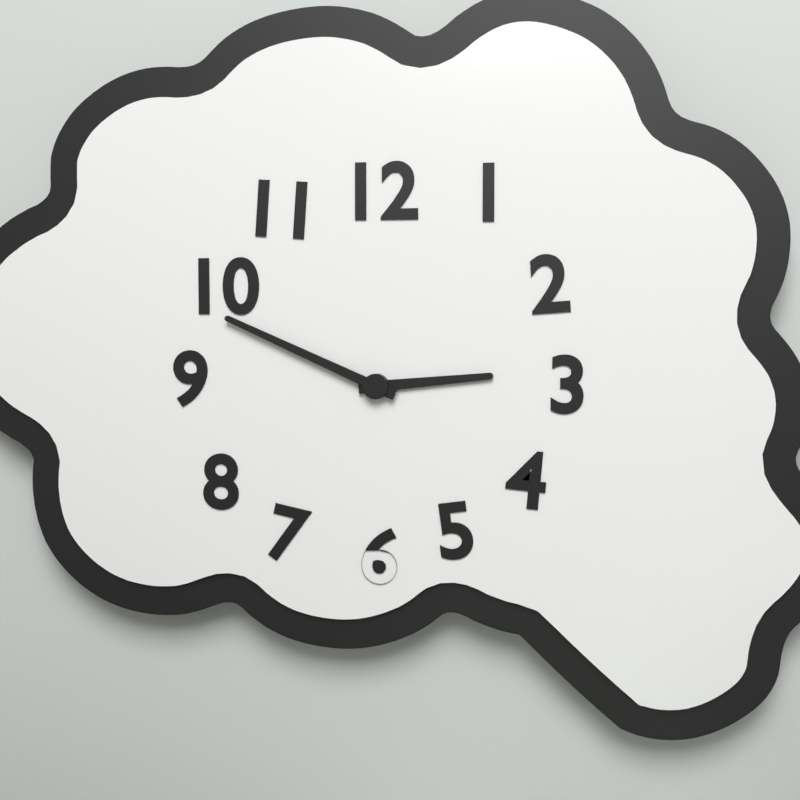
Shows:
2h49
